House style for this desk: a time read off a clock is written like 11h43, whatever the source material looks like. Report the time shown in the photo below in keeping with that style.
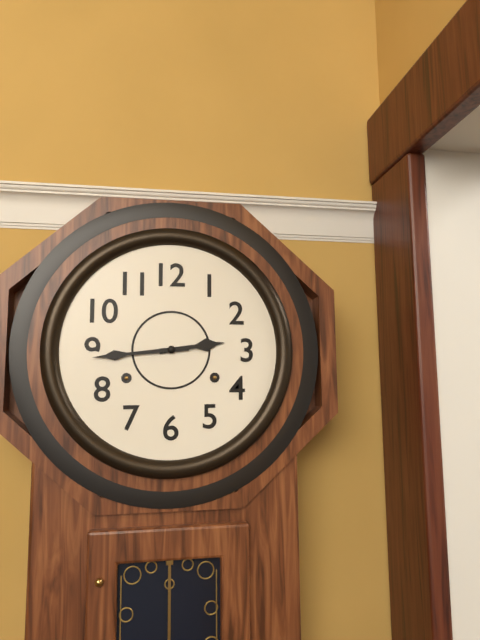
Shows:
2h44
